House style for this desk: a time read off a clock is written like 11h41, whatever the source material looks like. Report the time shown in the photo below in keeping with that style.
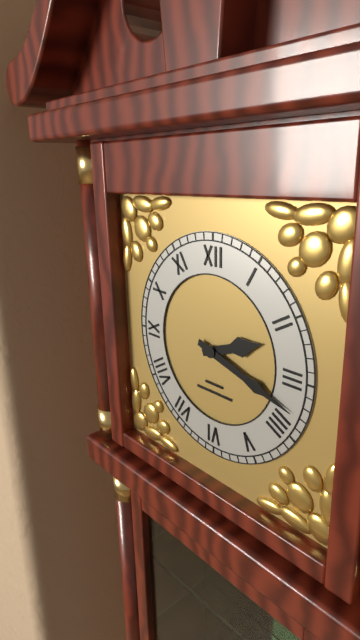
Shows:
2h18
